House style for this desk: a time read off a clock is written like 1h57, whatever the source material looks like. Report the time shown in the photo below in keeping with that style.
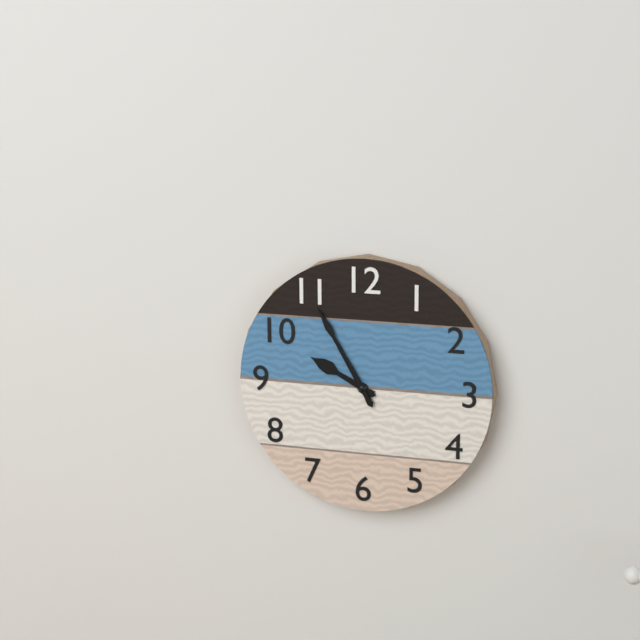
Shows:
9h55
